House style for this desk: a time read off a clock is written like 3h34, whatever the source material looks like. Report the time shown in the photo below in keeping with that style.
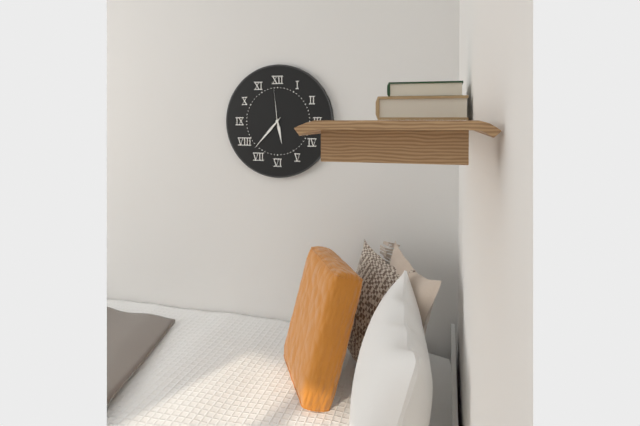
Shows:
5h37
